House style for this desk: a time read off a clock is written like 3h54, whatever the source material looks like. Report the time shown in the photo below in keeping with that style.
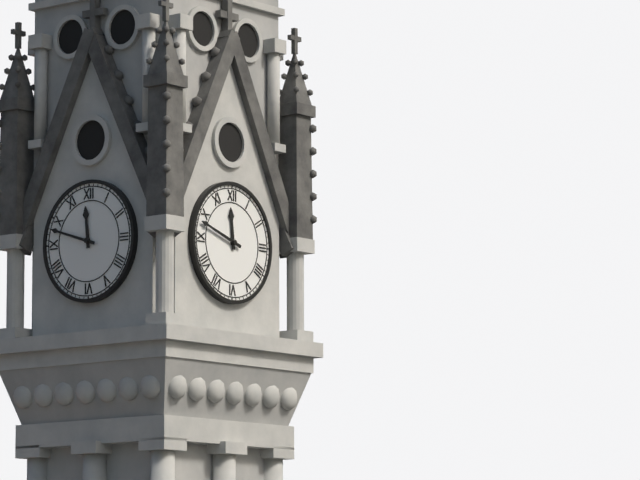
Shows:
11h48
